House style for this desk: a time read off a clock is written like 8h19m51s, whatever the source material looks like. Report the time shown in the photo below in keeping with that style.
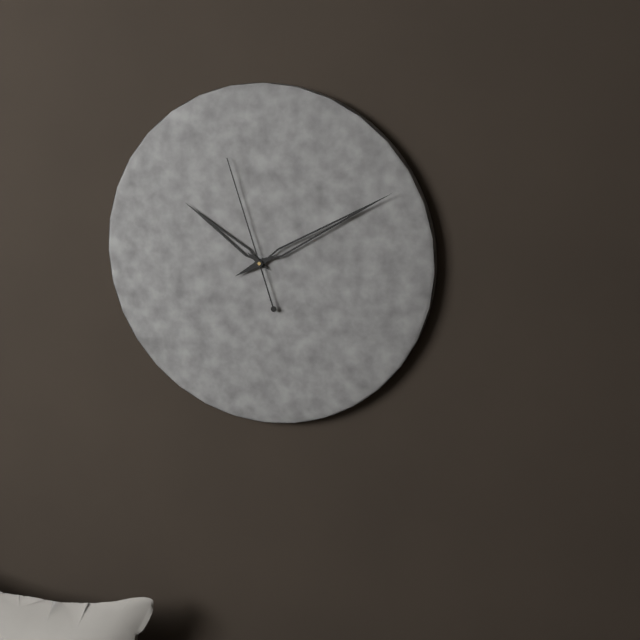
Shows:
10h10m57s
